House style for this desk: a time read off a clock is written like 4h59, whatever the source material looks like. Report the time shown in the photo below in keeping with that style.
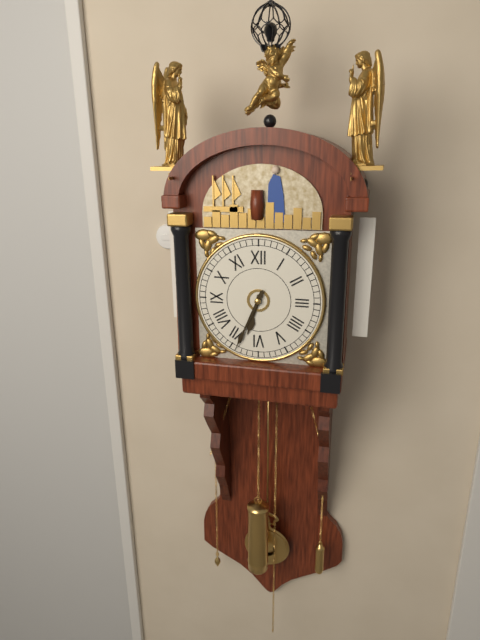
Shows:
6h34
